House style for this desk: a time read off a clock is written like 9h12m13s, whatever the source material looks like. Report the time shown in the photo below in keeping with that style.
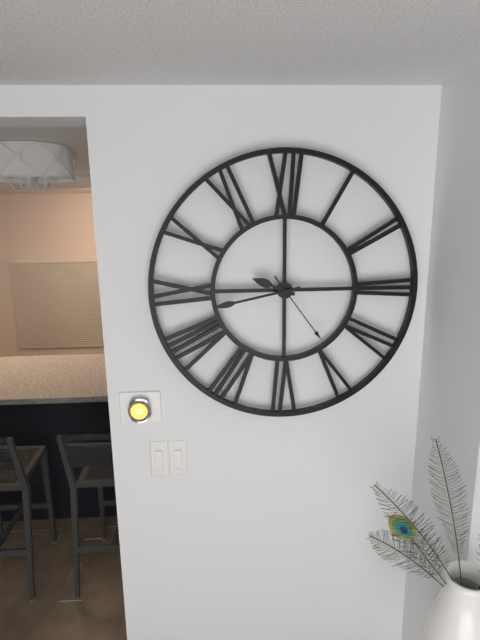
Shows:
9h43m24s
